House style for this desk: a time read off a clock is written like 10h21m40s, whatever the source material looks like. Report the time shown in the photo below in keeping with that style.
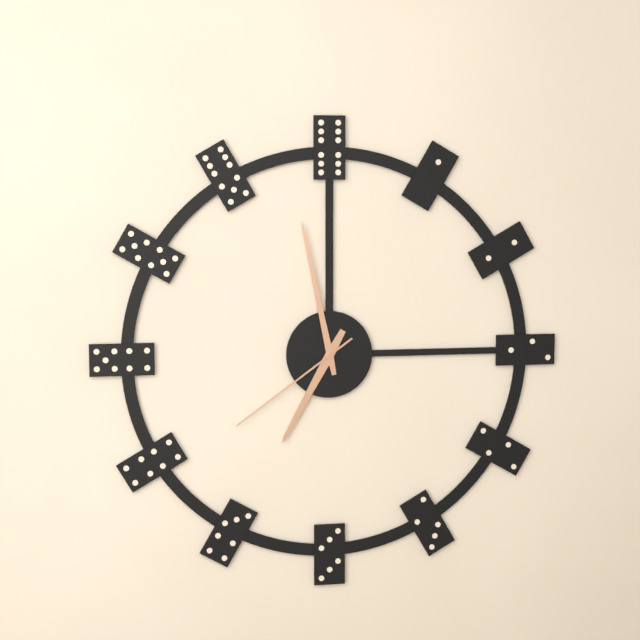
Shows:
6h58m39s
